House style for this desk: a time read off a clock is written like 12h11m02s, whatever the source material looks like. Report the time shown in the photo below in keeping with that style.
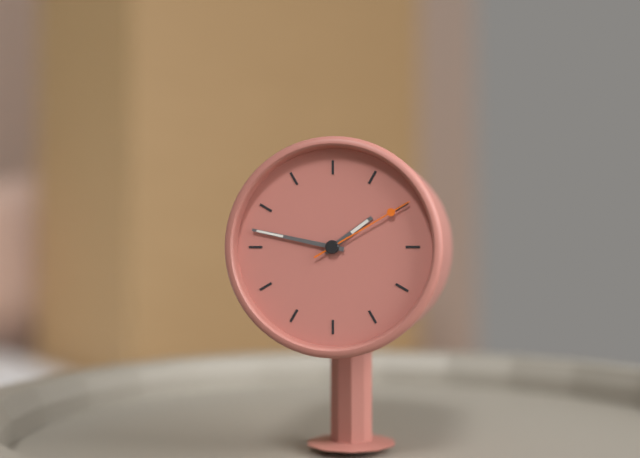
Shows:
1h47m10s
